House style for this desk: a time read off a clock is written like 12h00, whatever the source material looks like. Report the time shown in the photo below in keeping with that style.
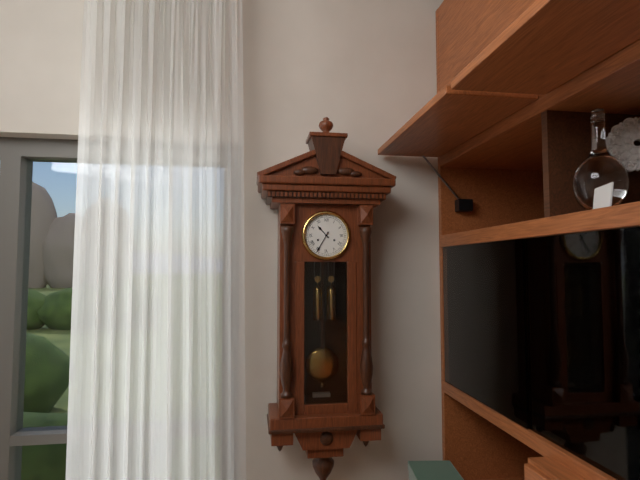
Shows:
10h35
